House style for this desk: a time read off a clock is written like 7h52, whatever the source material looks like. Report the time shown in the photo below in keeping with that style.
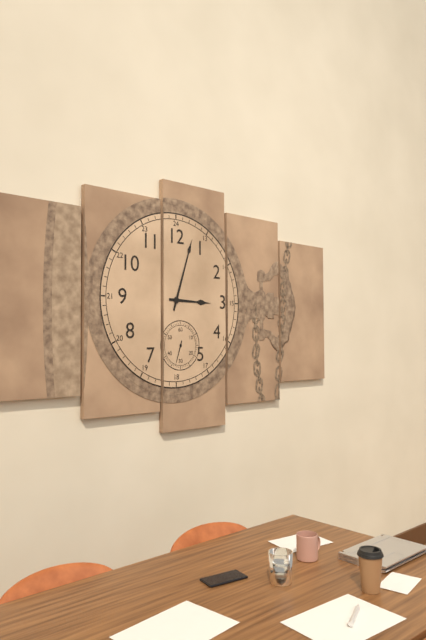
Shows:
3h03
